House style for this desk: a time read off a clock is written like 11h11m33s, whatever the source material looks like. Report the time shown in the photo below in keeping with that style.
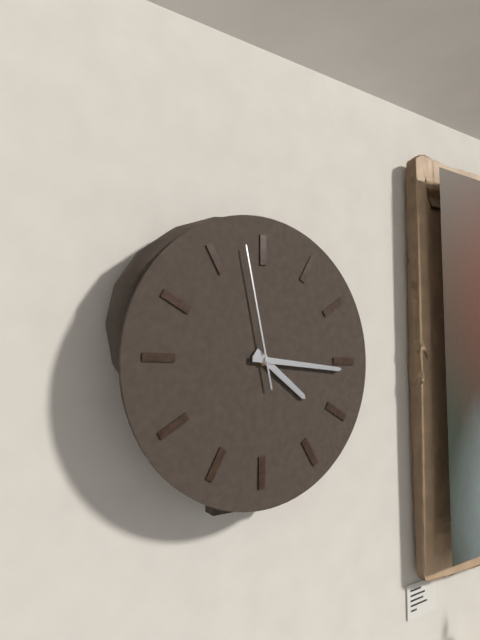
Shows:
4h16m58s
